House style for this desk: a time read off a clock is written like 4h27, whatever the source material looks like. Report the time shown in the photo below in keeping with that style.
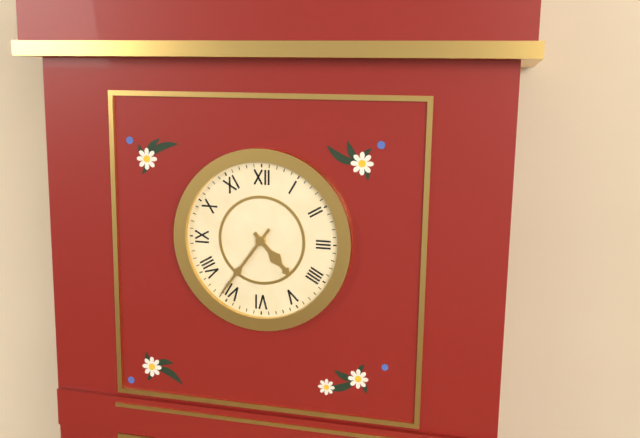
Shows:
4h36
